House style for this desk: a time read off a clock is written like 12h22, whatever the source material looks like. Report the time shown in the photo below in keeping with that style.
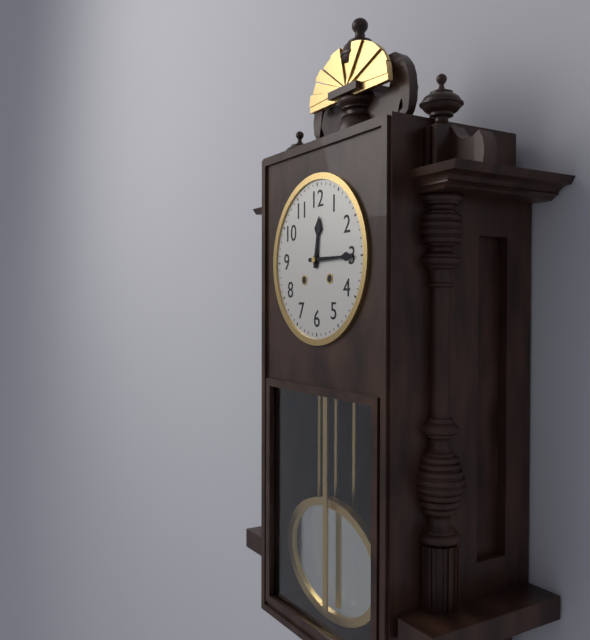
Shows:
12h15
